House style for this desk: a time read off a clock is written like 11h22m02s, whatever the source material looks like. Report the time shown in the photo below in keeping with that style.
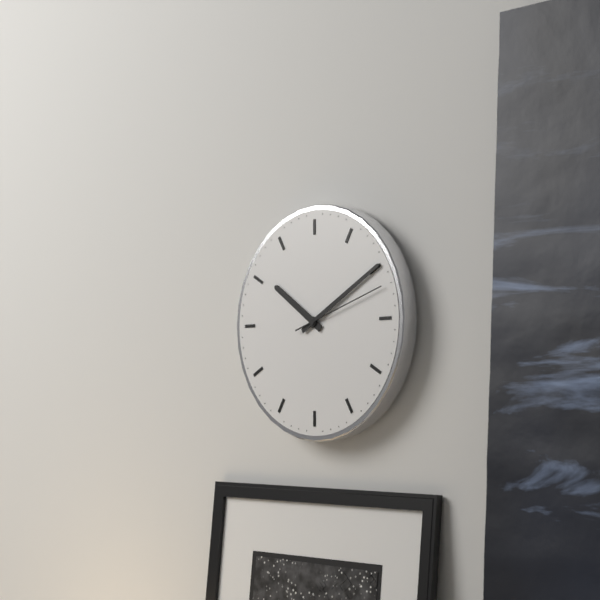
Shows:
10h10m12s
